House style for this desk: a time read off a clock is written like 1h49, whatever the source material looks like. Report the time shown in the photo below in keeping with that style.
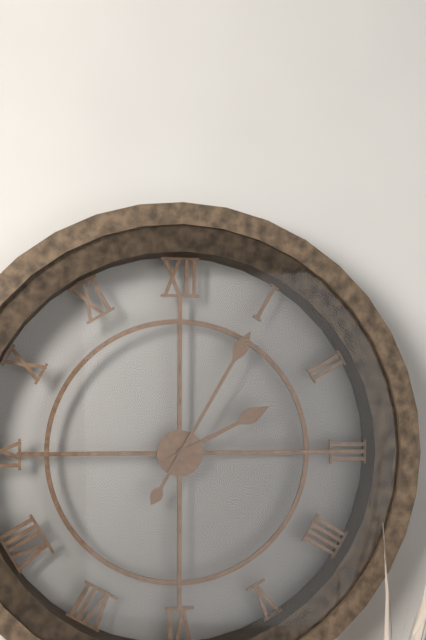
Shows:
2h05
